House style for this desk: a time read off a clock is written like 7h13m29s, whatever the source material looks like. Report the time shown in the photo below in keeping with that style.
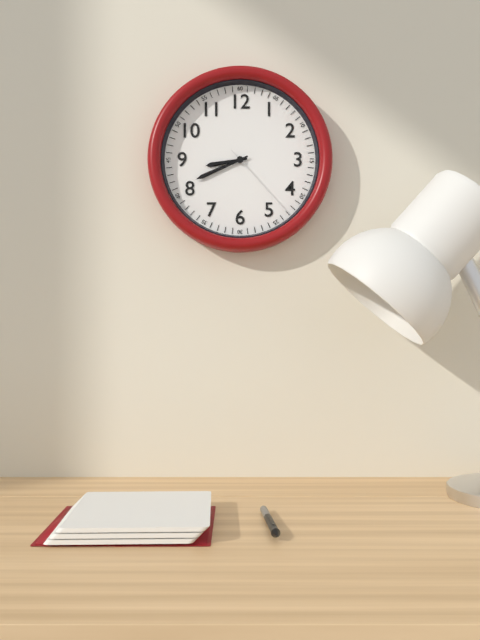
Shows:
8h41m23s
